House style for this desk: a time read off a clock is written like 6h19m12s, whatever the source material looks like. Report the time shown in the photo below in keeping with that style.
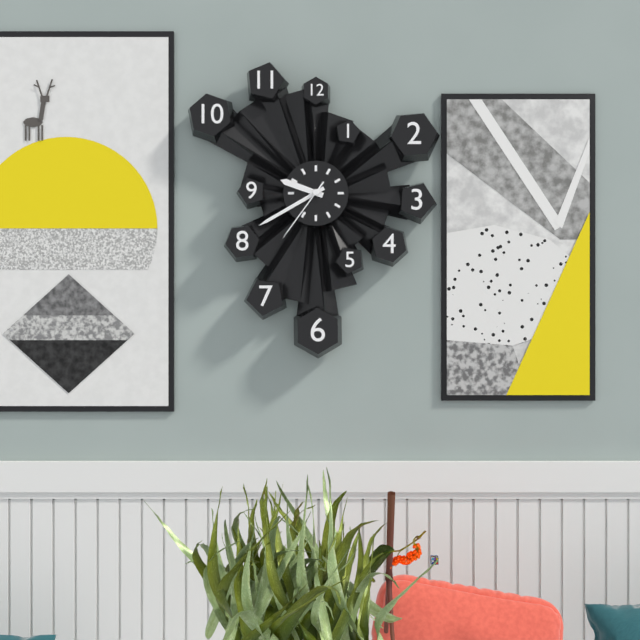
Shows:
9h40m36s
